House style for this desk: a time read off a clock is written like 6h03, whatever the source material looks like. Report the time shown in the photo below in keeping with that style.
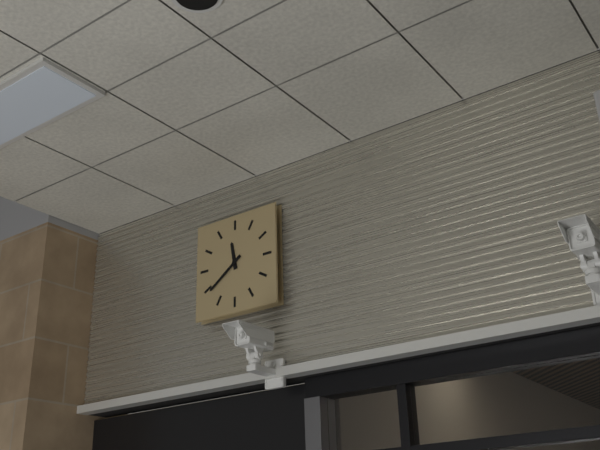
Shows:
11h39
